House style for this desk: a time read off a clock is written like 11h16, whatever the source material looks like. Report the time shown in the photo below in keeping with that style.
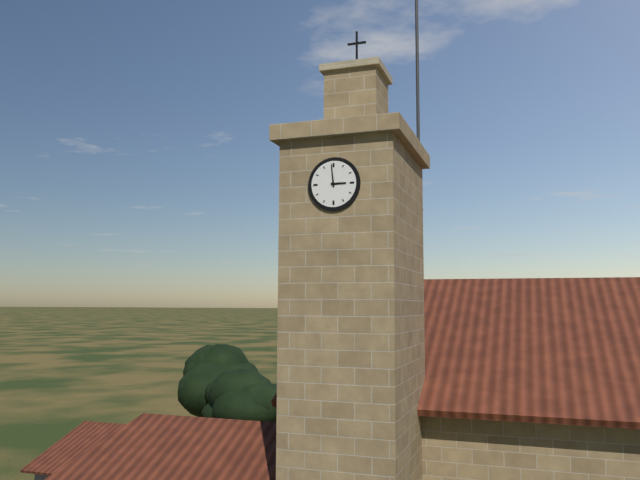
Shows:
2h59
